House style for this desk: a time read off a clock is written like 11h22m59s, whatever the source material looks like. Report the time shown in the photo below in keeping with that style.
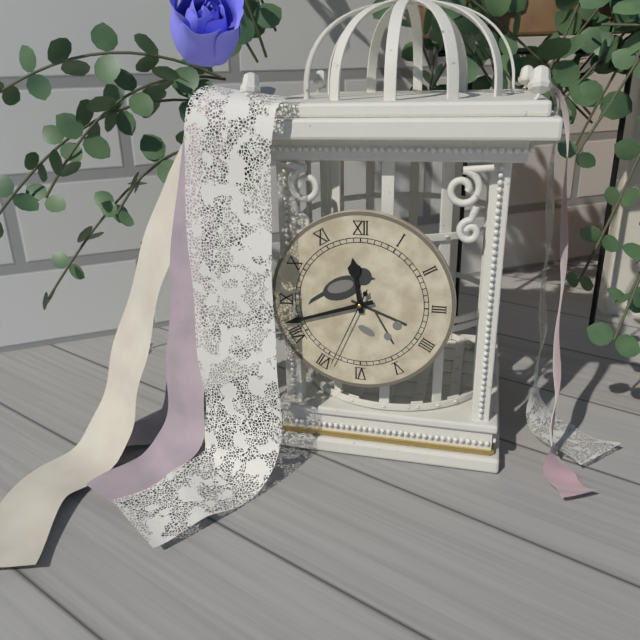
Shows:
11h42m34s
